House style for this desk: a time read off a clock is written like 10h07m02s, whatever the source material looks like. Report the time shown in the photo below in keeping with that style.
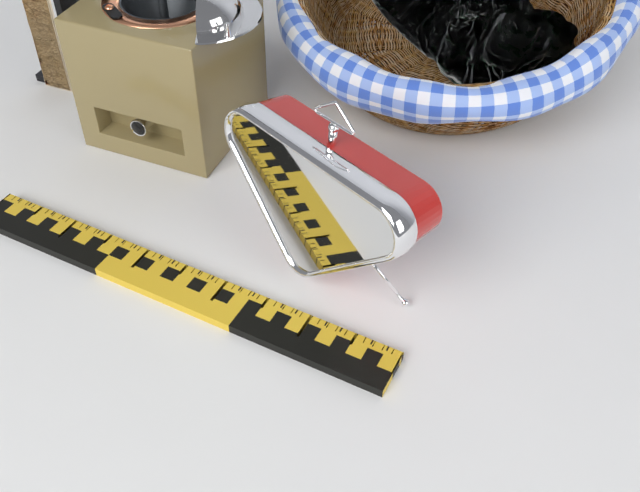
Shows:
10h20m54s
